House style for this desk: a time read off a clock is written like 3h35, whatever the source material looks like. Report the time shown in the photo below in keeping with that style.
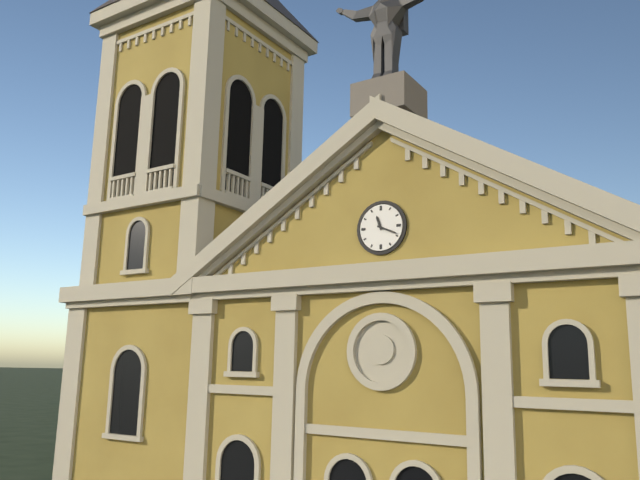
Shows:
11h19
